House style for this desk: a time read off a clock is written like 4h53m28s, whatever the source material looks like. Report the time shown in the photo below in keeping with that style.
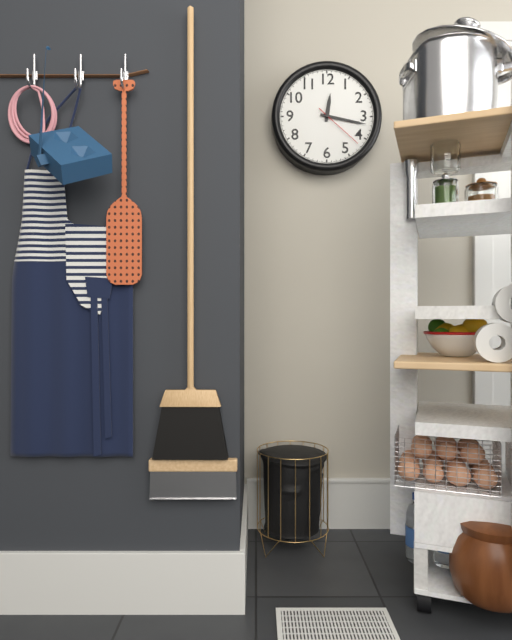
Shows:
12h17m22s
